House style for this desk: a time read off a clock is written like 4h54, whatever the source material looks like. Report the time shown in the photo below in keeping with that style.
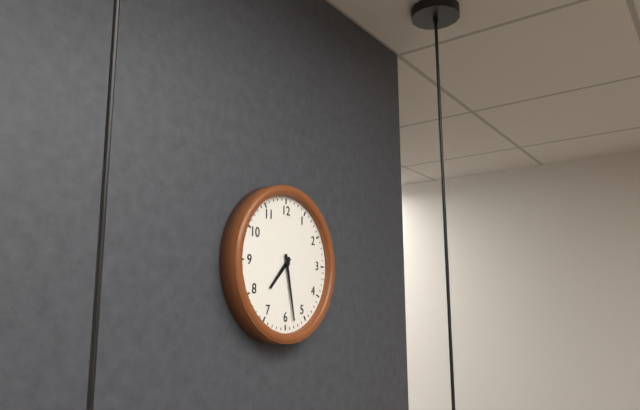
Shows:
7h28
